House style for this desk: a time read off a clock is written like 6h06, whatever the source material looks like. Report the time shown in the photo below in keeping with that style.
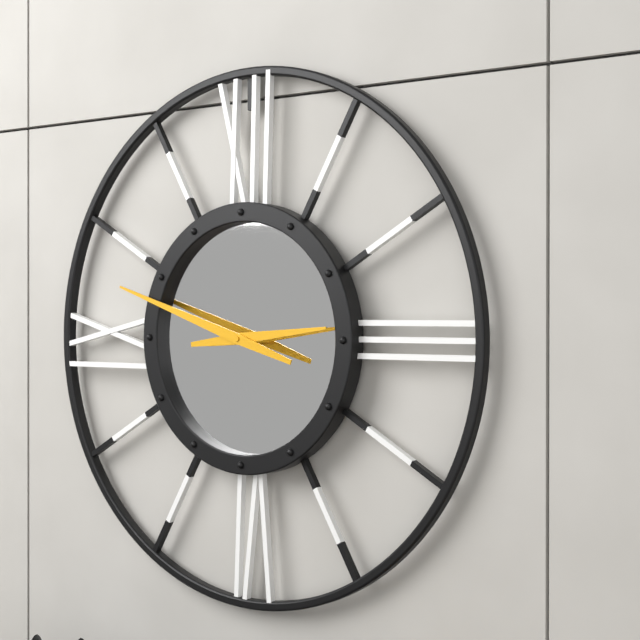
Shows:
2h48
